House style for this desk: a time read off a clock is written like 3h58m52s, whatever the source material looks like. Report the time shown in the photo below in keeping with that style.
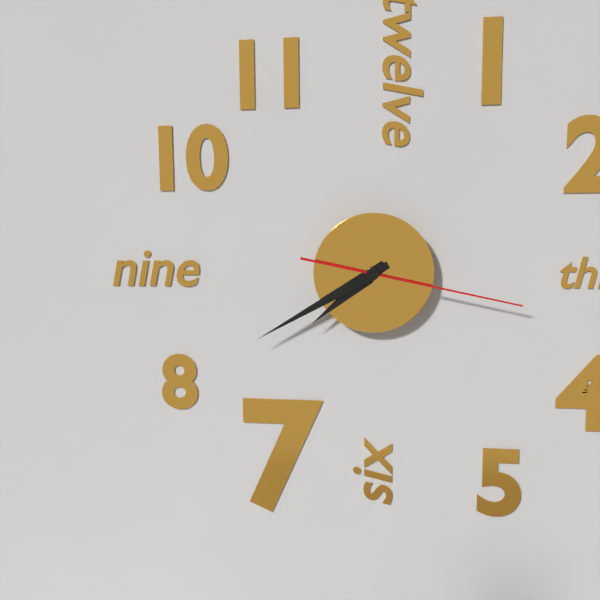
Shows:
7h40m17s
